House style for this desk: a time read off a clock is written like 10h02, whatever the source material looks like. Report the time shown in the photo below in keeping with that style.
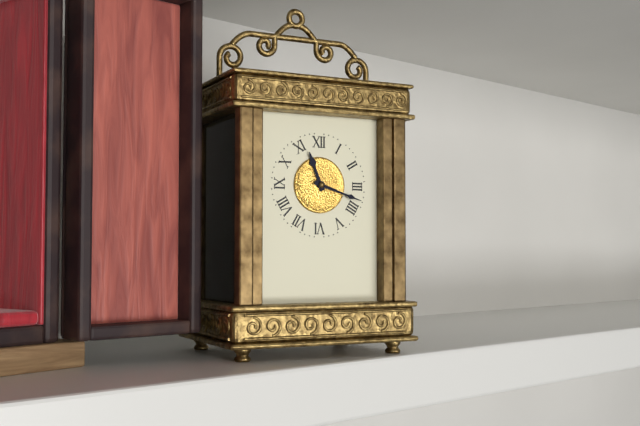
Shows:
11h18
